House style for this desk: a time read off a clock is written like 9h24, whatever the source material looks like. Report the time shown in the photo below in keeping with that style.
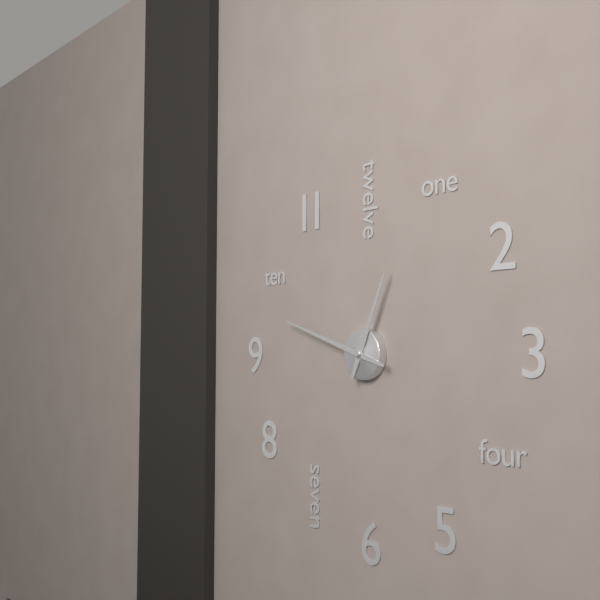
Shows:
12h48
